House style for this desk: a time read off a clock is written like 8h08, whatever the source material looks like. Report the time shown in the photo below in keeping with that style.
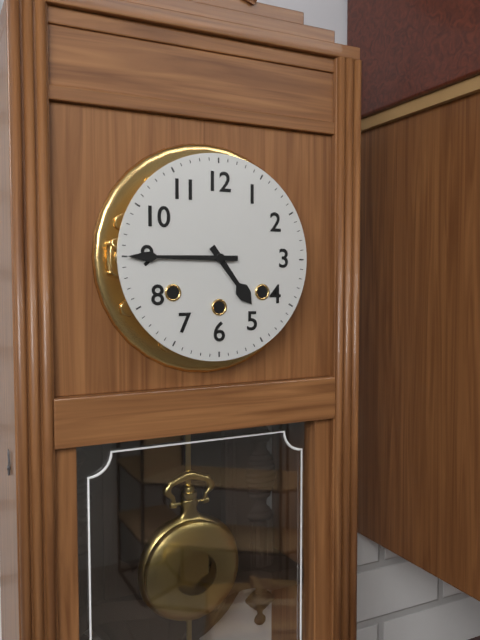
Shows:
4h45
